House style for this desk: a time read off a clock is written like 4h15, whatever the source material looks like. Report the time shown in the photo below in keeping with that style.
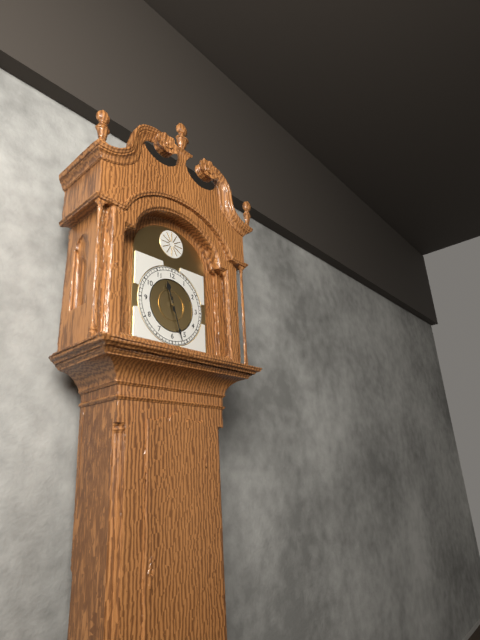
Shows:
11h27
